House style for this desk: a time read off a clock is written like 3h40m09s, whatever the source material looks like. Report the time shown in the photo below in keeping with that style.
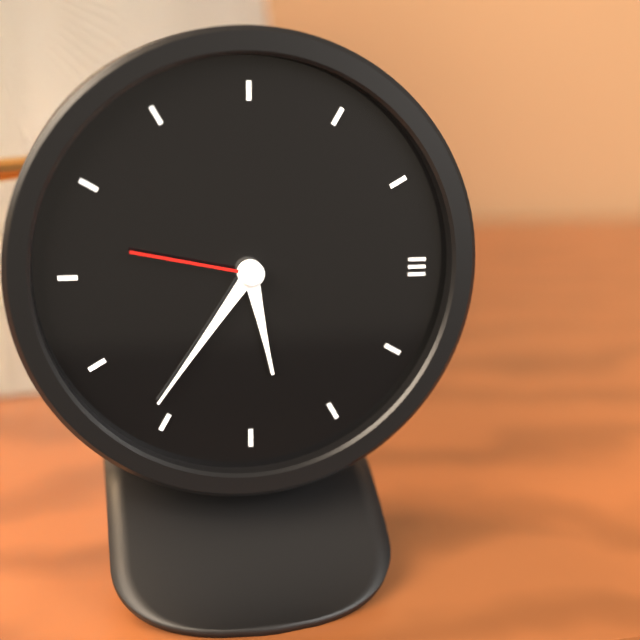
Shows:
5h36m47s
